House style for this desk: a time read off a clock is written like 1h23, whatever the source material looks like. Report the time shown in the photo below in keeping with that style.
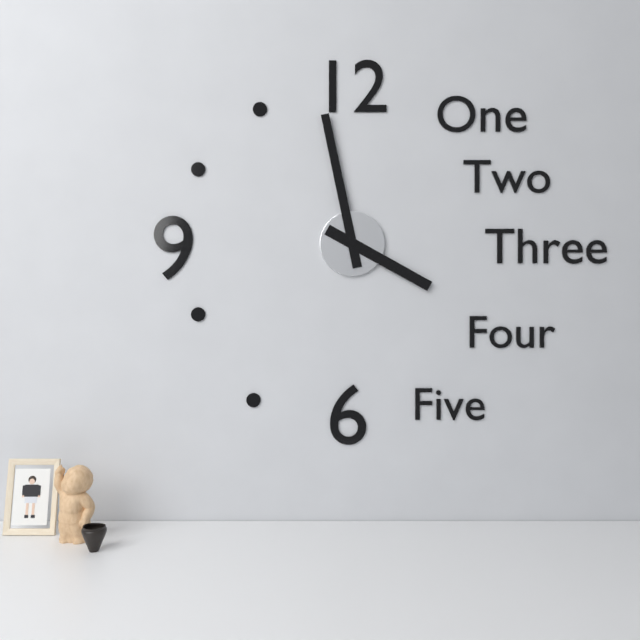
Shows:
3h58
